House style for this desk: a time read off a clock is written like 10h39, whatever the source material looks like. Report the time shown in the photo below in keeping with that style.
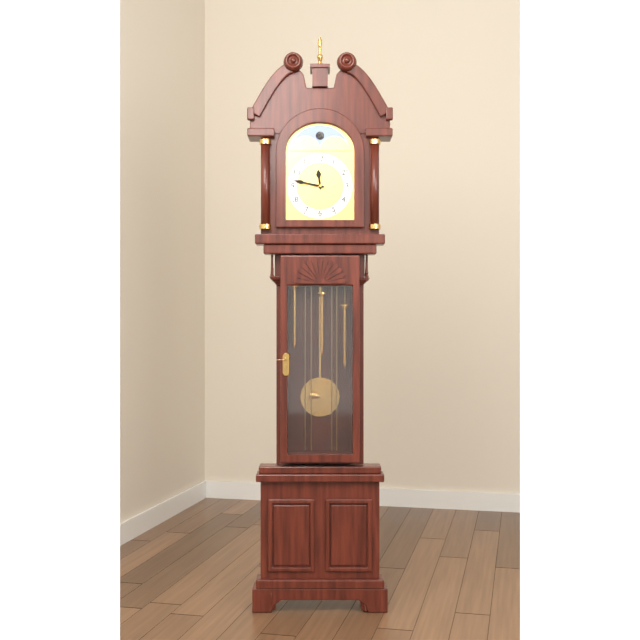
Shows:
11h47
